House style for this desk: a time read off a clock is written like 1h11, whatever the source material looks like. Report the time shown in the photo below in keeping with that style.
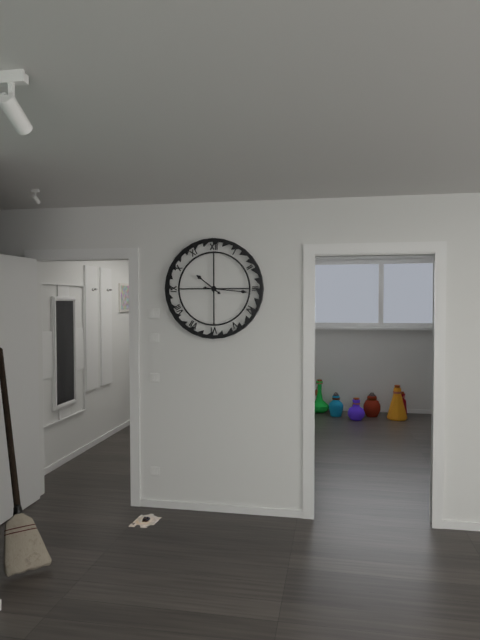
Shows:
10h16
